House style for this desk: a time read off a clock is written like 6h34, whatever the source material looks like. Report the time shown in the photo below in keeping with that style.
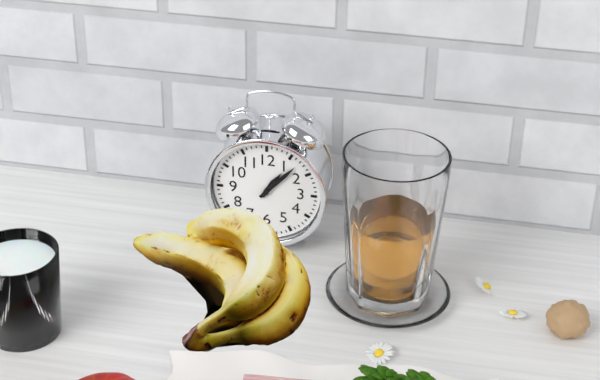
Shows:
1h07
